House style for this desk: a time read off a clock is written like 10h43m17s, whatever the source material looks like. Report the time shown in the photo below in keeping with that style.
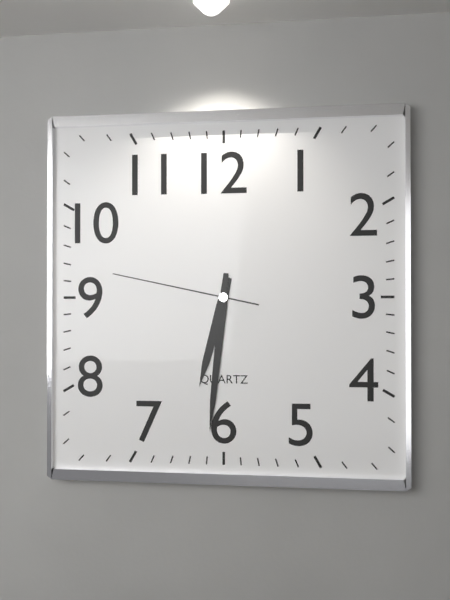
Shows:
6h31m47s
